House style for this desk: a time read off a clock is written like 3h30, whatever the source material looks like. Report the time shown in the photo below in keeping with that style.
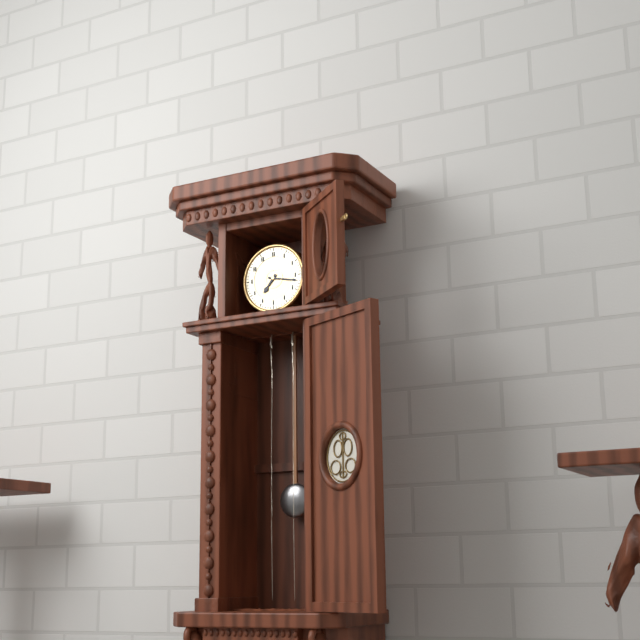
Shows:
7h17
